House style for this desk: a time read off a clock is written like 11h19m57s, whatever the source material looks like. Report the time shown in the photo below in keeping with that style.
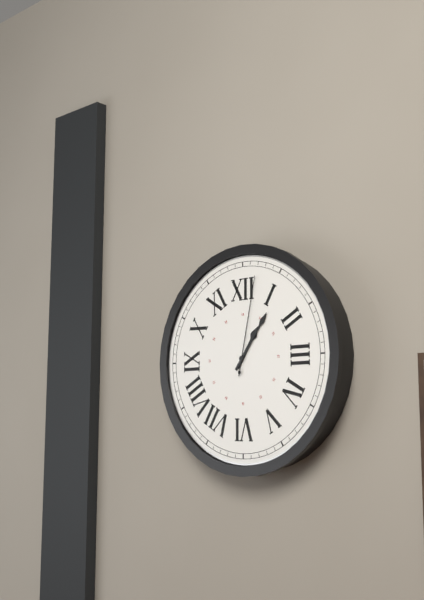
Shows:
1h06m02s
